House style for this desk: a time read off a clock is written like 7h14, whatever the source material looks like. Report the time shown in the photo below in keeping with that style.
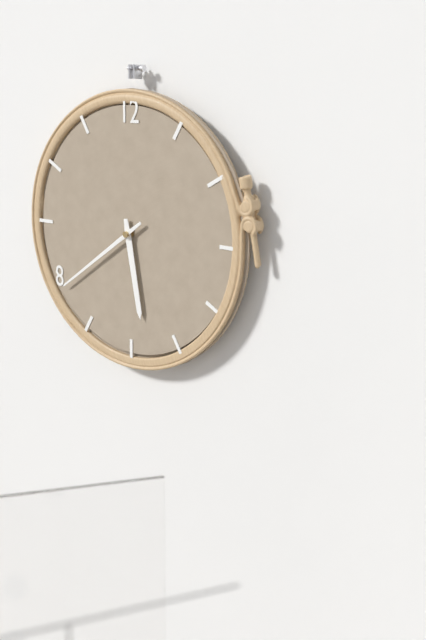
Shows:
5h39
